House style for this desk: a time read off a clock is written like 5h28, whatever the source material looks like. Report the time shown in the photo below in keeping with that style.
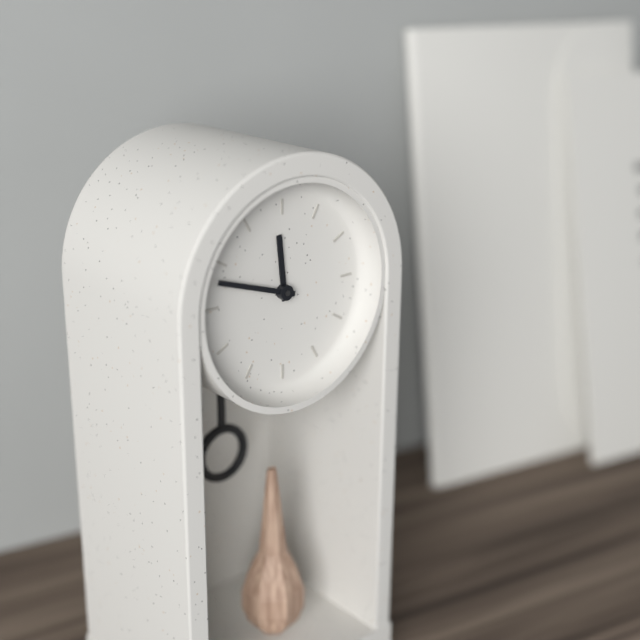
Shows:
11h48
